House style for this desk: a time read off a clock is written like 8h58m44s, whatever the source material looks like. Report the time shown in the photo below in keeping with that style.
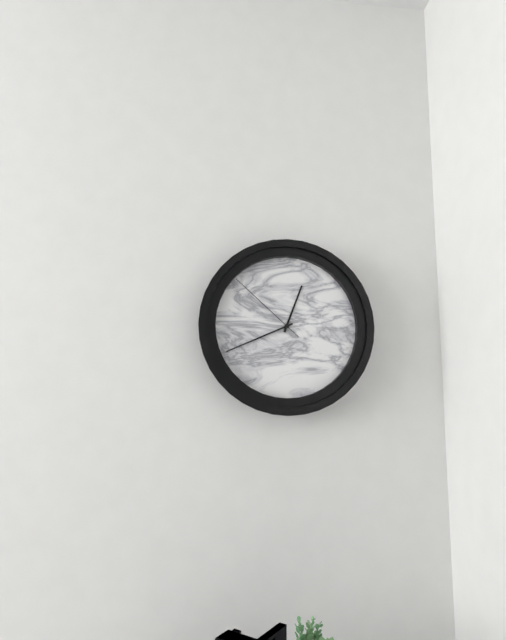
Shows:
12h41m52s
